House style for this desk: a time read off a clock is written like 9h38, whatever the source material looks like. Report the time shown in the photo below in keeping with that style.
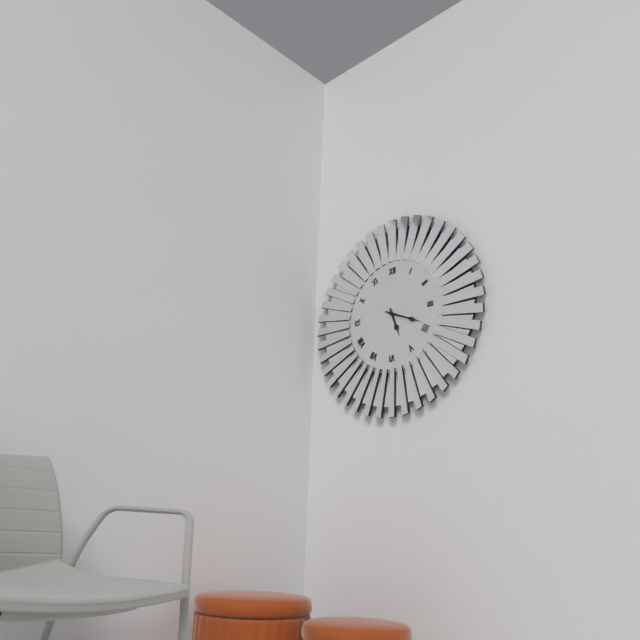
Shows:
5h19
